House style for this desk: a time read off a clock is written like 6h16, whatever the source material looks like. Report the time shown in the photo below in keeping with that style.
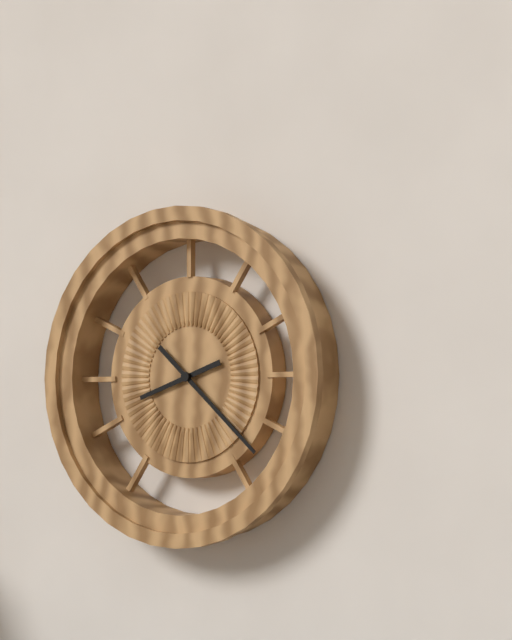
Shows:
8h22
